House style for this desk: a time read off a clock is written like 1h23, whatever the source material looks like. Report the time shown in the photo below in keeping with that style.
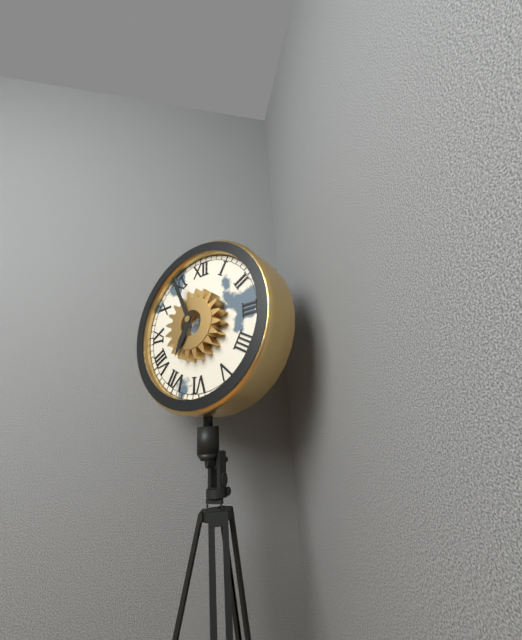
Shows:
6h56
